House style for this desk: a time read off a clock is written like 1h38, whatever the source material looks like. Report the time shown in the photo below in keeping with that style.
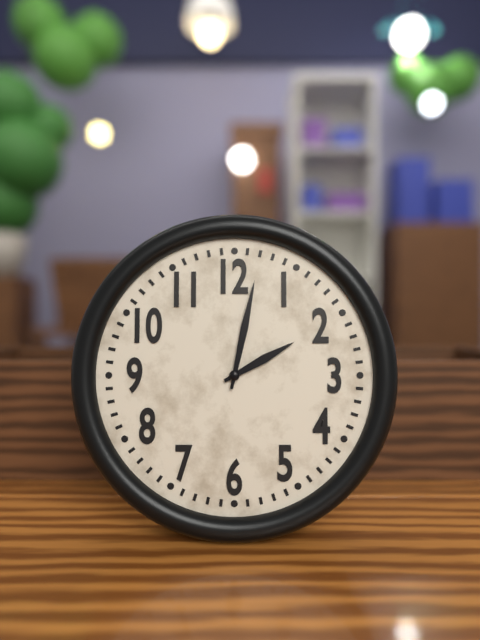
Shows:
2h02
